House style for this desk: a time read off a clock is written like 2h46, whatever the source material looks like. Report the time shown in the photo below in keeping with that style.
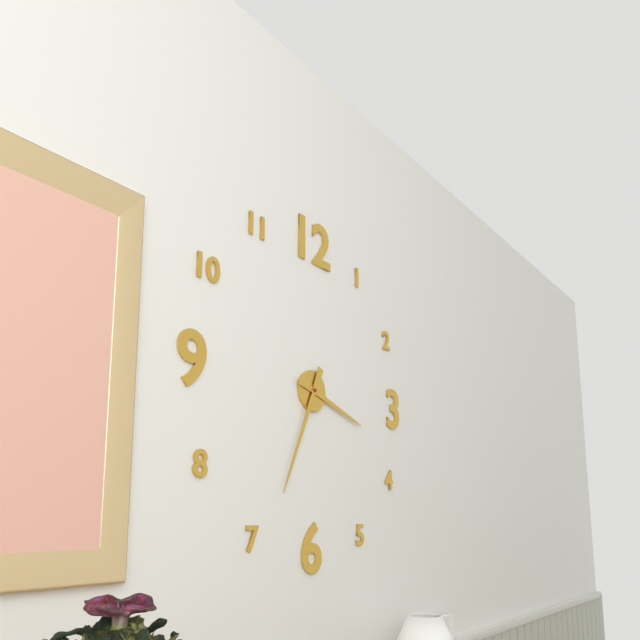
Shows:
3h34
